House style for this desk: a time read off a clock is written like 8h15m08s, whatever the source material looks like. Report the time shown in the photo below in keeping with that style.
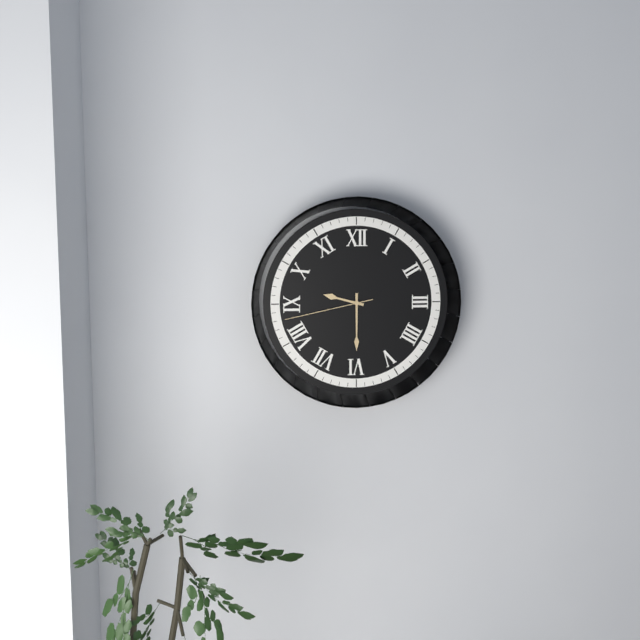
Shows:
9h30m43s
